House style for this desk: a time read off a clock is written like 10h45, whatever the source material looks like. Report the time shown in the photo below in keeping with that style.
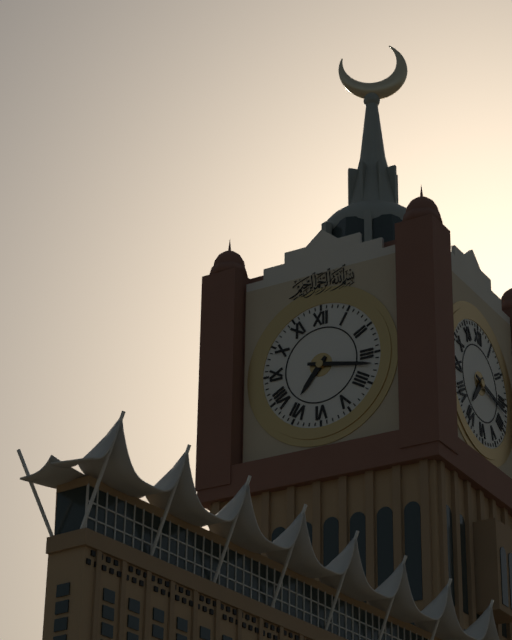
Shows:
7h17
